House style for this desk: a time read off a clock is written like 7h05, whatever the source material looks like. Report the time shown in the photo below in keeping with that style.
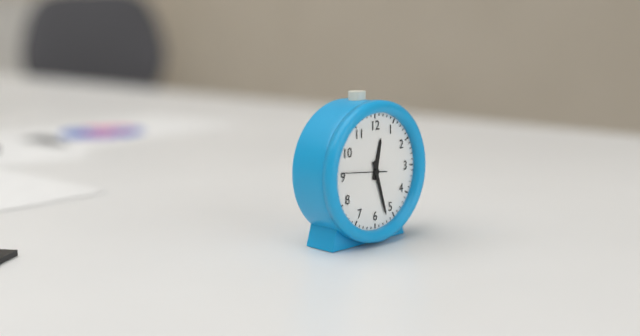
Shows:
12h27
